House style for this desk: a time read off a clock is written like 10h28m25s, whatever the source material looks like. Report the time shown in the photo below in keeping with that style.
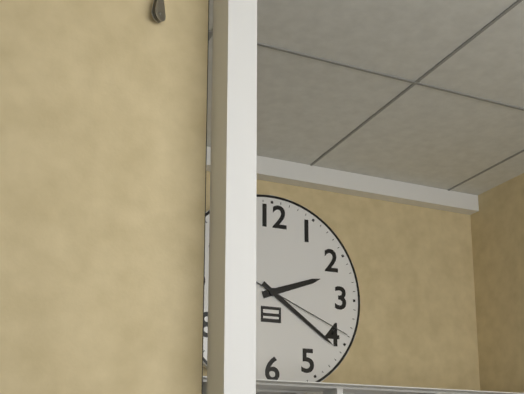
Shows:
2h21m19s
